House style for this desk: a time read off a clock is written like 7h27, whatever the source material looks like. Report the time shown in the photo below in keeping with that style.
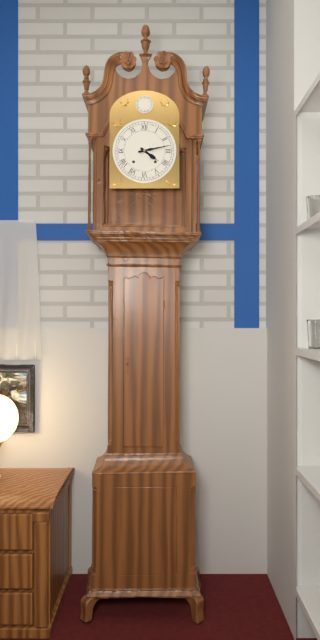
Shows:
4h13
